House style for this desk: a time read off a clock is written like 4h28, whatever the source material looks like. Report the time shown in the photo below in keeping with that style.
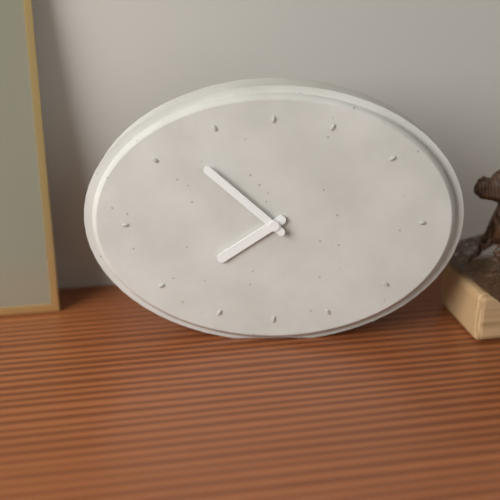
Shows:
7h52
